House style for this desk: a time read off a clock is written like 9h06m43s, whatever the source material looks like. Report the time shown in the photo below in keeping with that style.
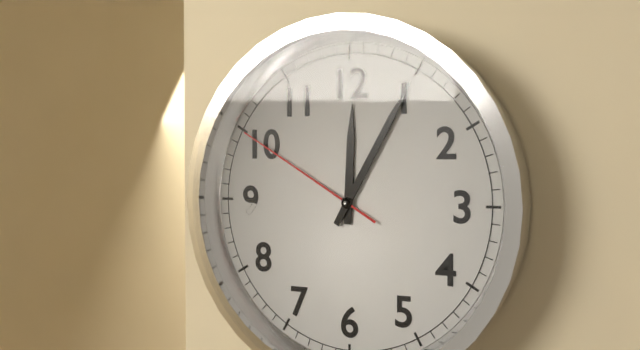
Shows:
12h05m50s
